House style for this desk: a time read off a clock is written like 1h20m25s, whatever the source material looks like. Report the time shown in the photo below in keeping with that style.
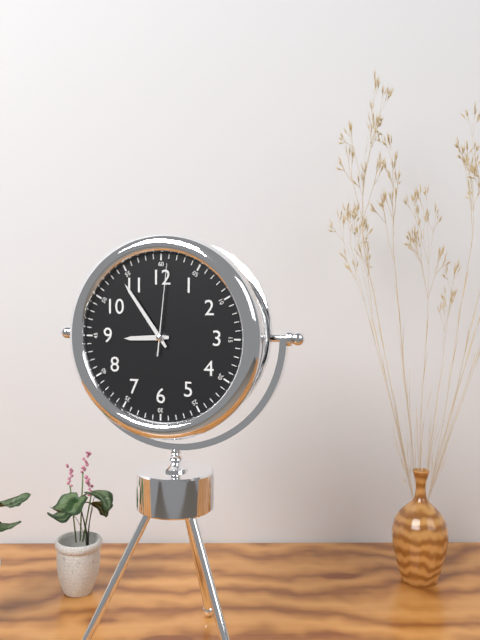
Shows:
8h54m01s
